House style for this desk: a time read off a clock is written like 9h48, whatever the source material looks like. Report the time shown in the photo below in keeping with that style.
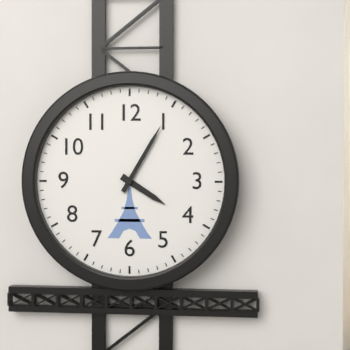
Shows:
4h05
